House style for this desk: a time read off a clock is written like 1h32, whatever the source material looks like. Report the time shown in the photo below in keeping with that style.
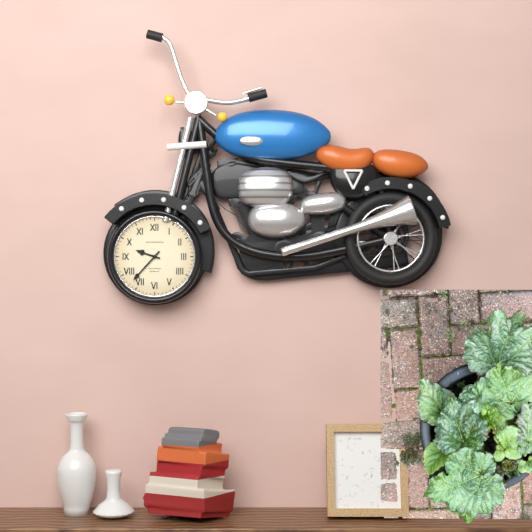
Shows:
9h37
